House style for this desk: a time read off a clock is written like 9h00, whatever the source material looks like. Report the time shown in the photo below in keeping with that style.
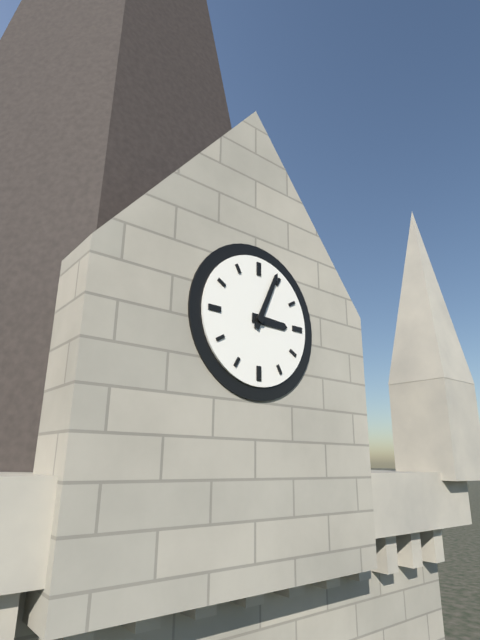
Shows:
3h04
